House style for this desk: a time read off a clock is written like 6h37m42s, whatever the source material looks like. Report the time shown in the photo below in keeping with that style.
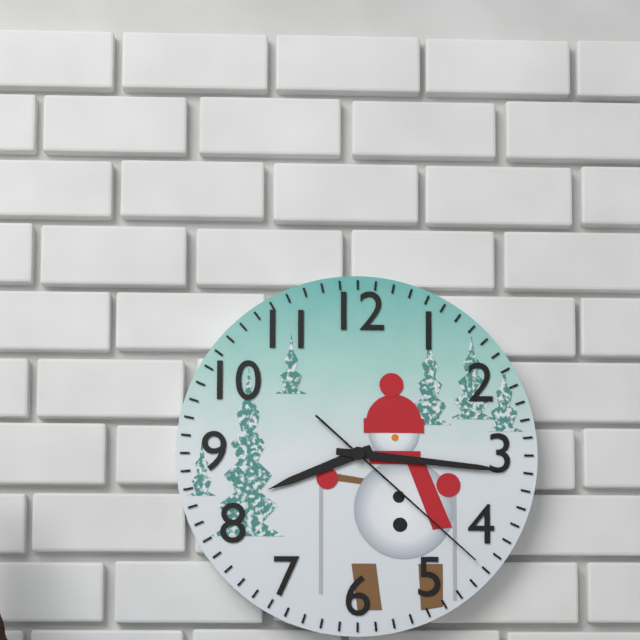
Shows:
8h16m22s
